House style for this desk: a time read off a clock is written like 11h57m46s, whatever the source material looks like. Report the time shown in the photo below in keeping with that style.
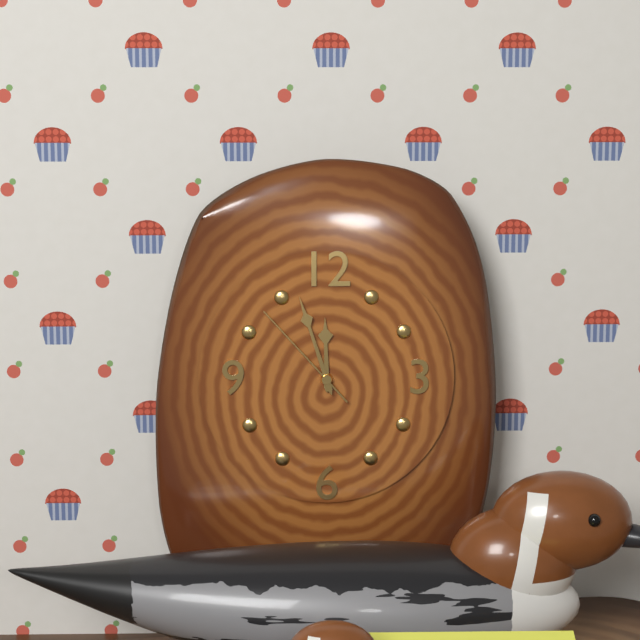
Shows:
11h57m53s
